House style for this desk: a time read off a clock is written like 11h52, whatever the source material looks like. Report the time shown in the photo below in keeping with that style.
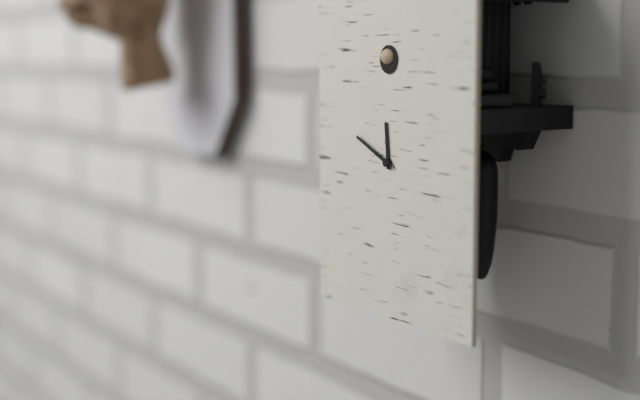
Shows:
11h49
